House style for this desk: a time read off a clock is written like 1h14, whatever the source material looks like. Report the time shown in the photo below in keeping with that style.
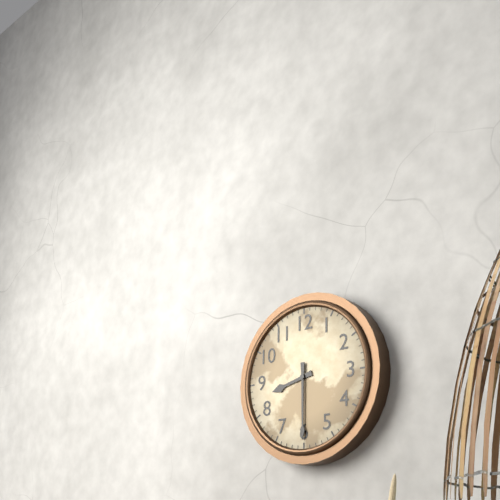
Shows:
8h30
